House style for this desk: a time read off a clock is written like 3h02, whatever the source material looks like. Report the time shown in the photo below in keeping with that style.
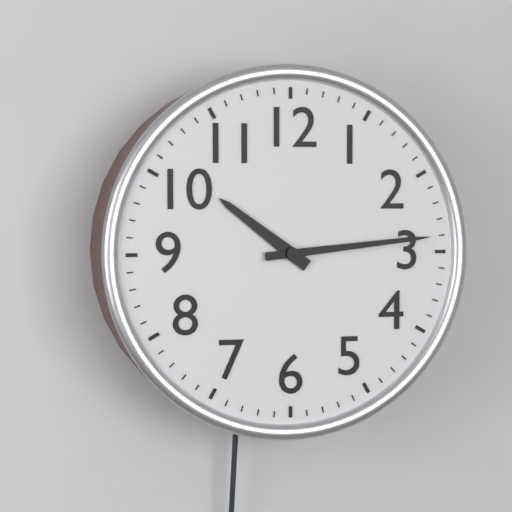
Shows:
10h14
